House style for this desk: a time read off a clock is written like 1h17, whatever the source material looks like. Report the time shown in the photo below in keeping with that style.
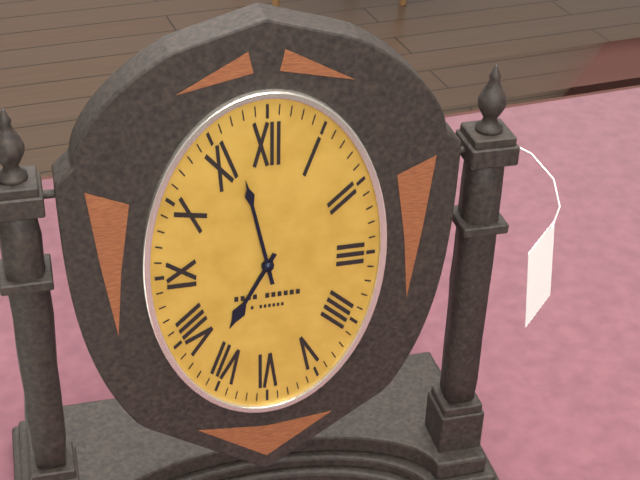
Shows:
6h58
